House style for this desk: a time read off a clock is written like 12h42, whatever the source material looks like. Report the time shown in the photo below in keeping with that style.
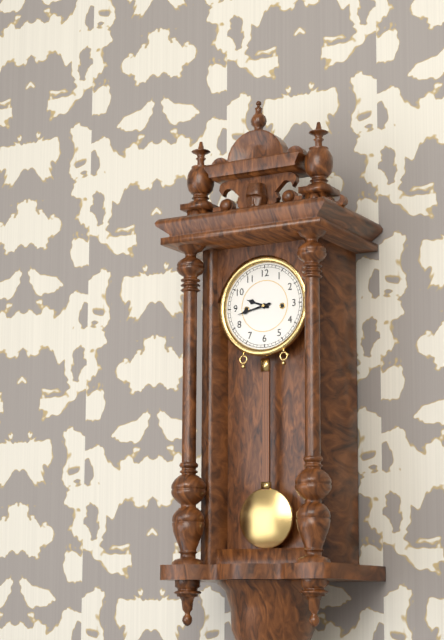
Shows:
9h43
